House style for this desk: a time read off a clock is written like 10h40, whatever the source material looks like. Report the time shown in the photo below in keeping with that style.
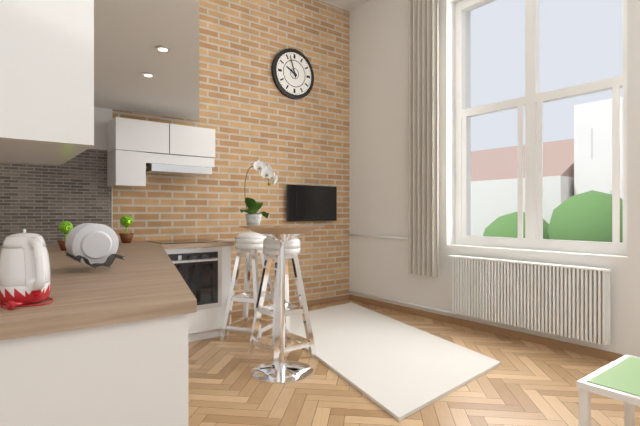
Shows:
9h57
